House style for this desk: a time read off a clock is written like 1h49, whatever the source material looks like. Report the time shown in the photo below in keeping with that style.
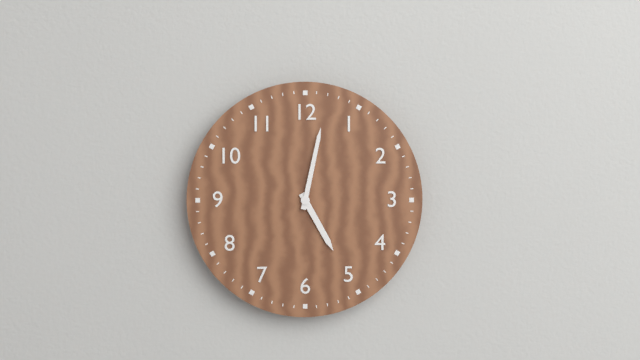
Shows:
5h02
